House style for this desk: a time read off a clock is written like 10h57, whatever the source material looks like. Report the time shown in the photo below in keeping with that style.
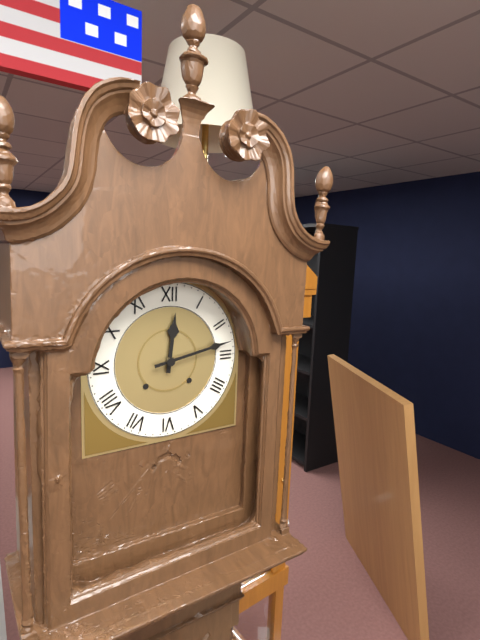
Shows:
12h13
